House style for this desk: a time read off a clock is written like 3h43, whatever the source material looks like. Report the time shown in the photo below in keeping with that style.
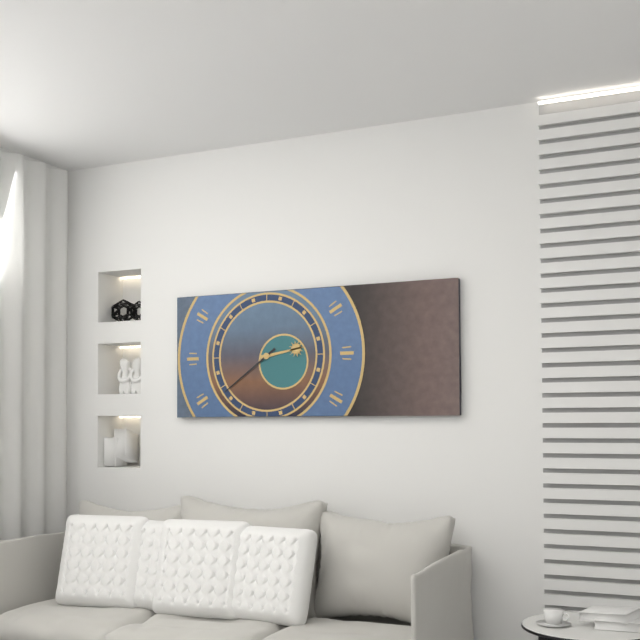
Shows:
2h39
